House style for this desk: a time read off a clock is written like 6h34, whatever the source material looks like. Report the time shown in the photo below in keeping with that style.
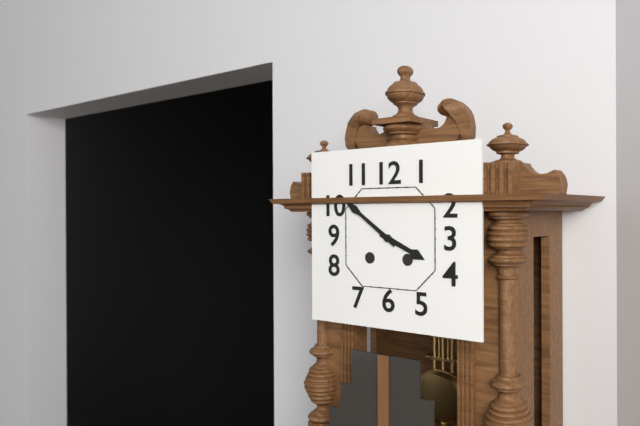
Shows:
3h51
